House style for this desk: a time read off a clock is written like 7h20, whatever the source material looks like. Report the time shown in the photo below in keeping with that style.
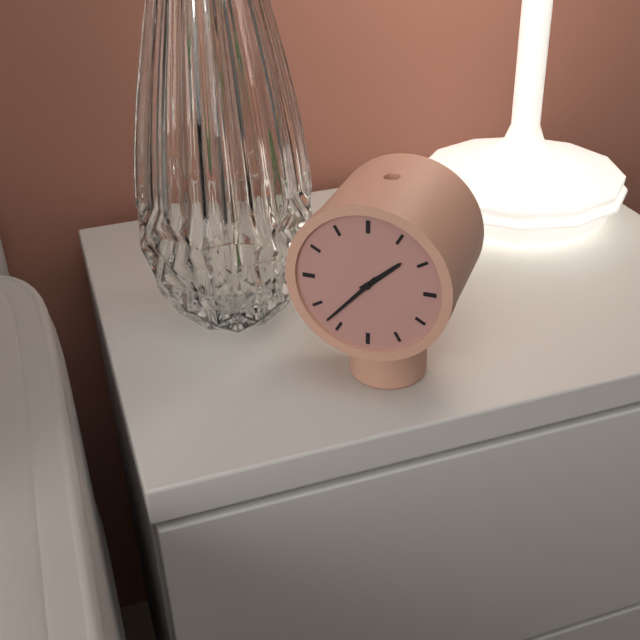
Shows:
1h37
